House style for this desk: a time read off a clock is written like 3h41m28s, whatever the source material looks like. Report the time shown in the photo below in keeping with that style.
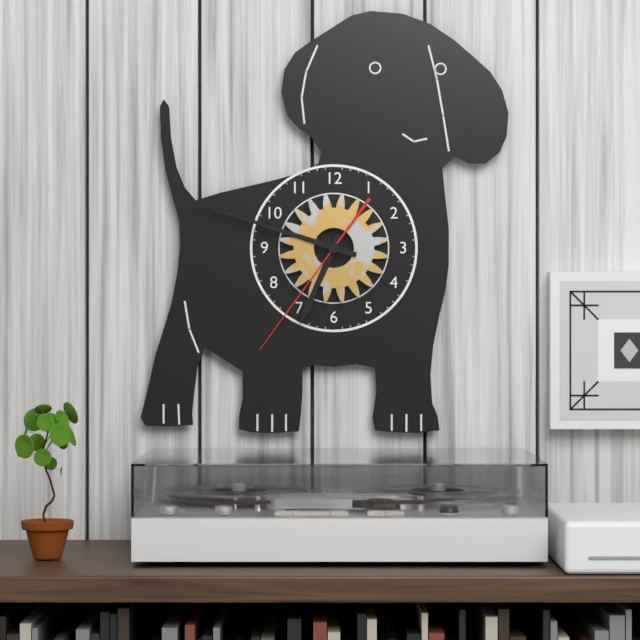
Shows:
6h48m36s
